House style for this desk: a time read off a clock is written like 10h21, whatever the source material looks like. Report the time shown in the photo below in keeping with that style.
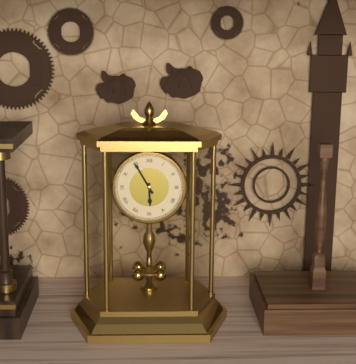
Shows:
5h55
